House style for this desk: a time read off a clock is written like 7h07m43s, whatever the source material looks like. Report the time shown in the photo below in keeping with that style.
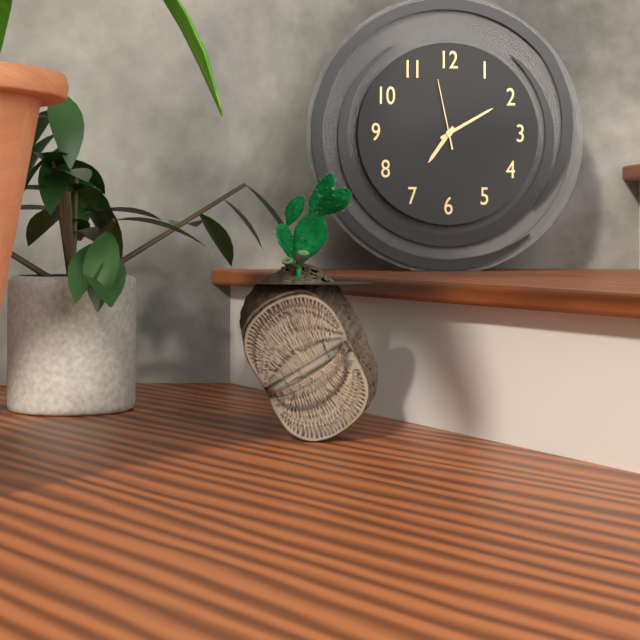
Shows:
7h10m58s
